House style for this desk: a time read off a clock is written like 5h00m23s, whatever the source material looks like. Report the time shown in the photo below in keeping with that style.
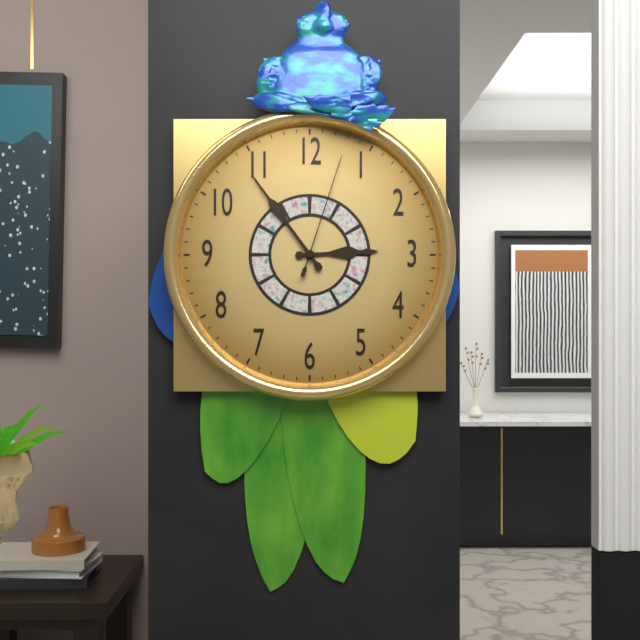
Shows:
2h54m03s
